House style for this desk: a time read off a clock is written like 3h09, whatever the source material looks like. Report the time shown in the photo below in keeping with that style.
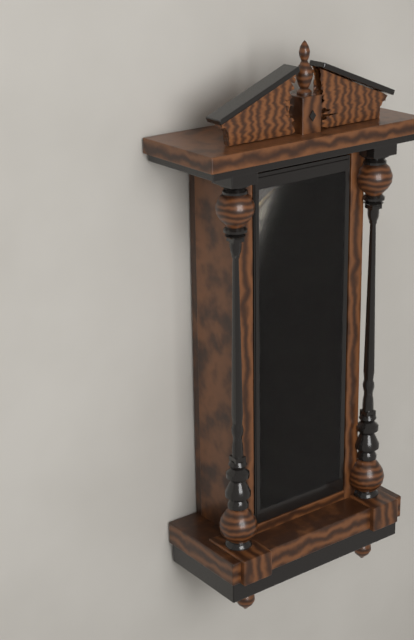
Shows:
1h10
